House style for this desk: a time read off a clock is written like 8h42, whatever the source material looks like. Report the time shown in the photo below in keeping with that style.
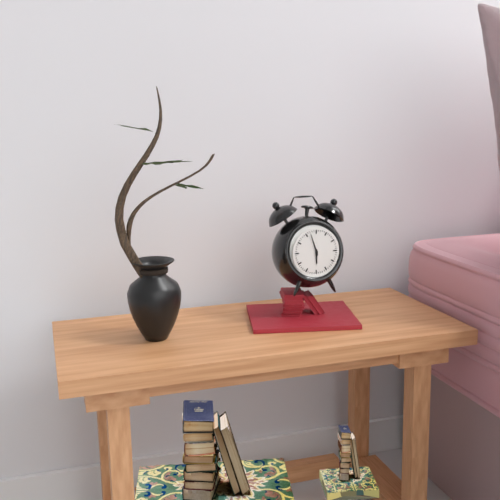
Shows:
5h57
